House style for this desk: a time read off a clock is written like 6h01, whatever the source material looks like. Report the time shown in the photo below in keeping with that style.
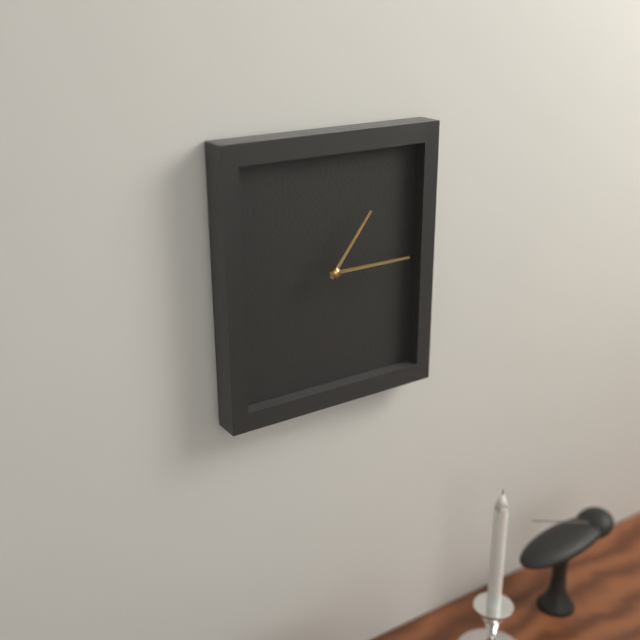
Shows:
1h15
